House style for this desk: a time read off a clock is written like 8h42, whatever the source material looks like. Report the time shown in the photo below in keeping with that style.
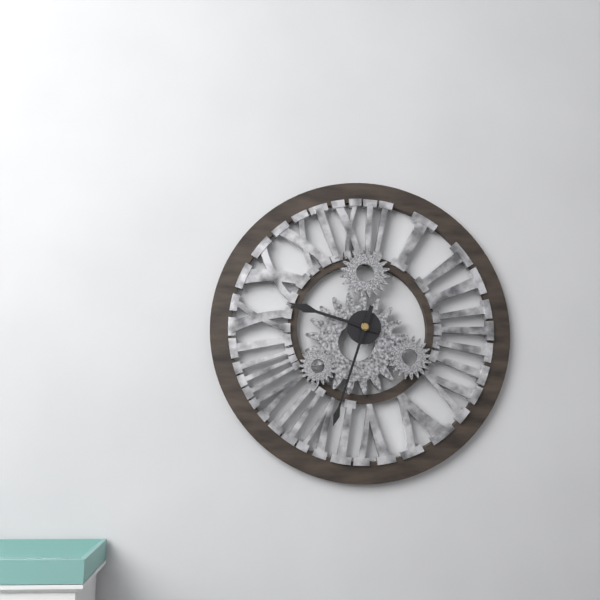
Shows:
9h33
